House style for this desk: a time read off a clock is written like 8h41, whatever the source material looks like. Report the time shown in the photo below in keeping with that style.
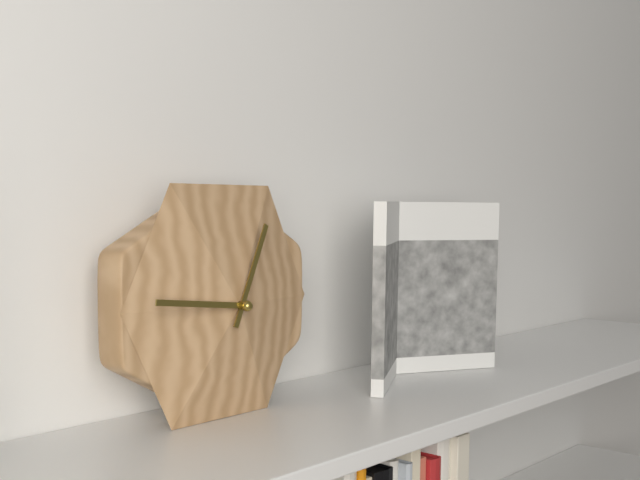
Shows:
12h46
